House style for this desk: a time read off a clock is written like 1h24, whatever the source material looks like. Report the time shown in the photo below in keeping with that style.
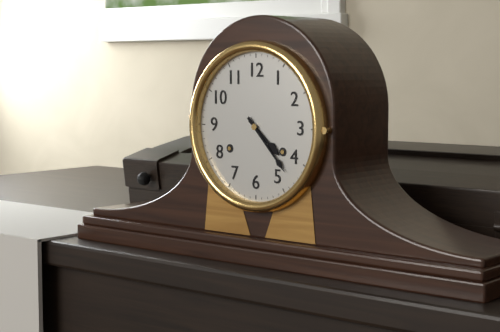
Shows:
4h23
